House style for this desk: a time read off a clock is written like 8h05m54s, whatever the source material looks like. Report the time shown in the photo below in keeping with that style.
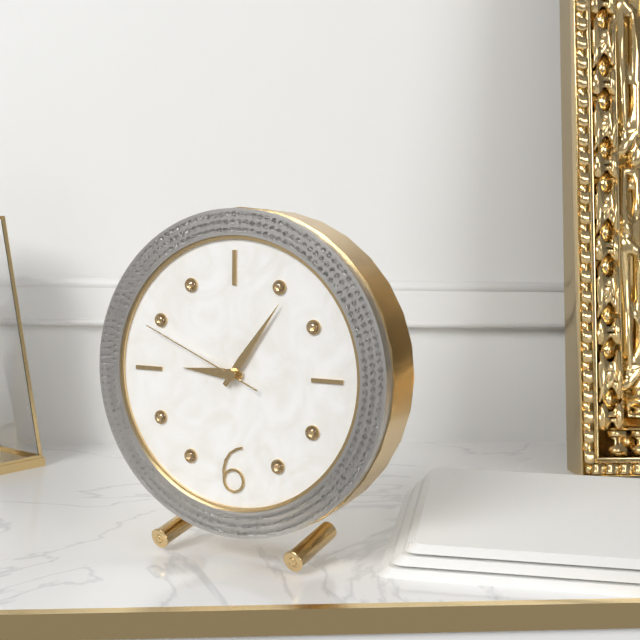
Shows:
9h06m49s
